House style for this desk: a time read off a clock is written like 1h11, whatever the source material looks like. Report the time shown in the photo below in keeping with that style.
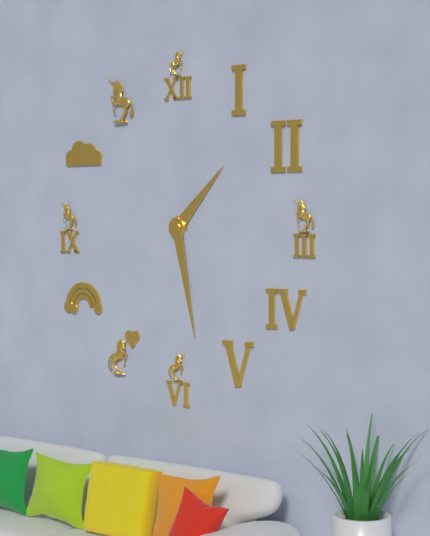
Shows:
1h28
